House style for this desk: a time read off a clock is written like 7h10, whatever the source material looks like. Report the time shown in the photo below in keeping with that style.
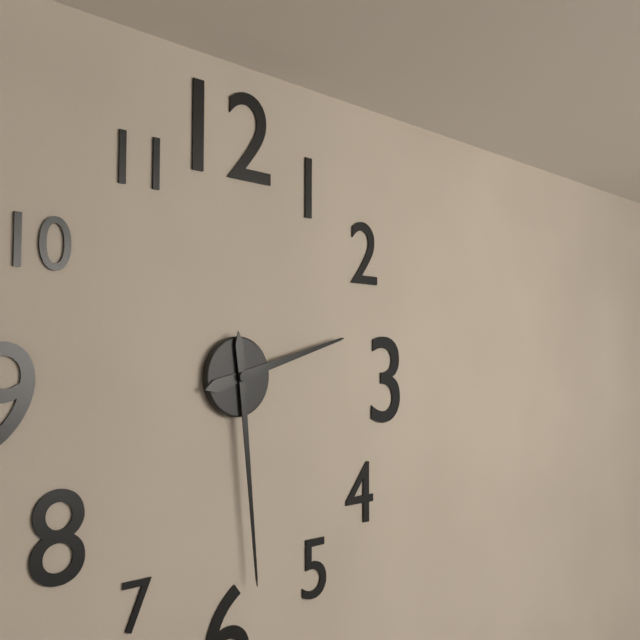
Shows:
2h29
